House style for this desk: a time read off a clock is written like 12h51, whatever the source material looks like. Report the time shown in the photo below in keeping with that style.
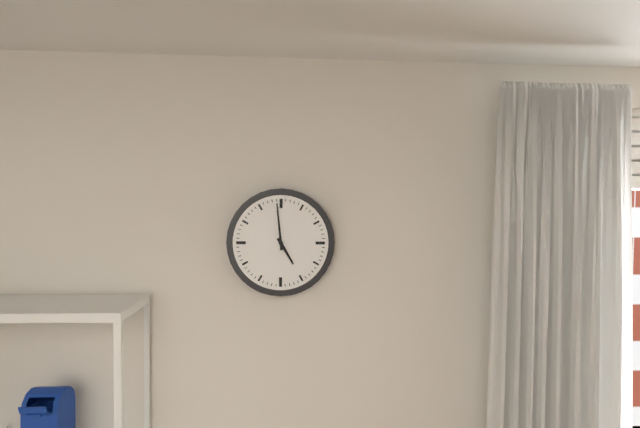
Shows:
4h59
